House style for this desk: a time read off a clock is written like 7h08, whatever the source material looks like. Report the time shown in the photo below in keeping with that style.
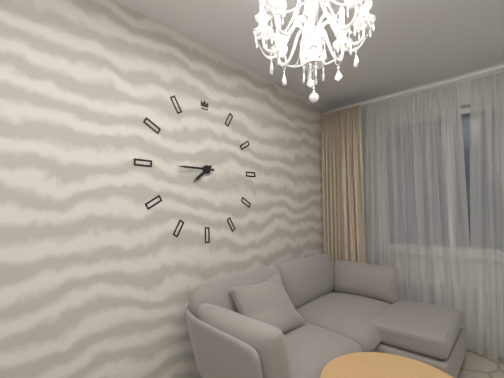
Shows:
7h45
